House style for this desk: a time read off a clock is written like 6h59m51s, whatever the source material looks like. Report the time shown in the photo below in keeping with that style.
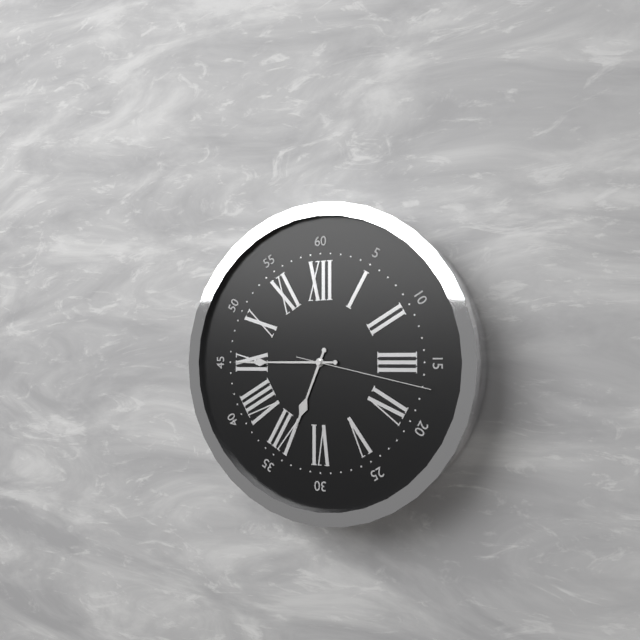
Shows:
6h45m17s
